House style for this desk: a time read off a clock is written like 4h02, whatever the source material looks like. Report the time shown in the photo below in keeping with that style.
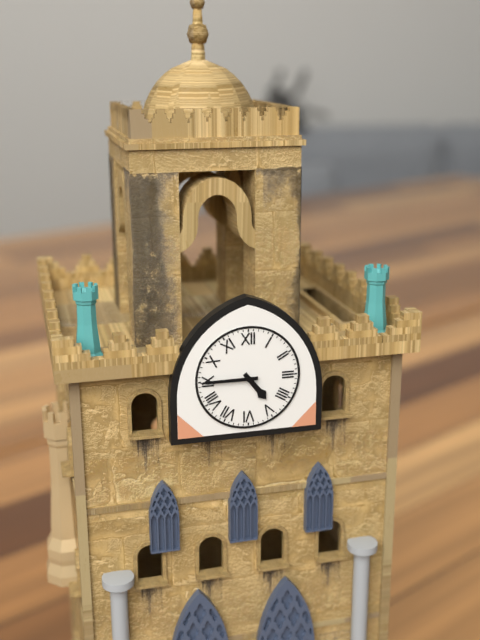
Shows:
4h45
